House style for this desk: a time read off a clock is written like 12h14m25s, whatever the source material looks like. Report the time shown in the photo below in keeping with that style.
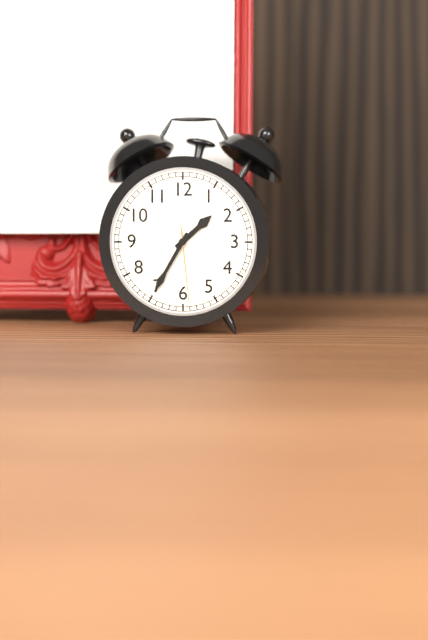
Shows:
1h35m29s
